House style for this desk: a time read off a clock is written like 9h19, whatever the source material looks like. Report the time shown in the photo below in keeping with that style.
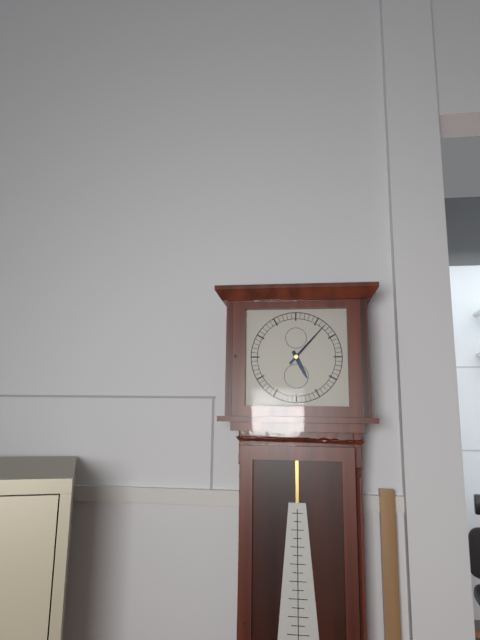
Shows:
5h07
